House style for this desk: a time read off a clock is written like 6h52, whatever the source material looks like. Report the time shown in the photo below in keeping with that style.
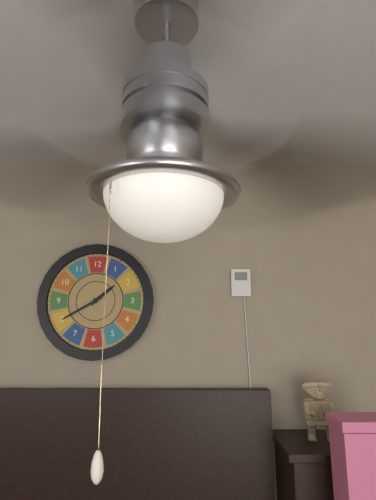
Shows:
1h40
